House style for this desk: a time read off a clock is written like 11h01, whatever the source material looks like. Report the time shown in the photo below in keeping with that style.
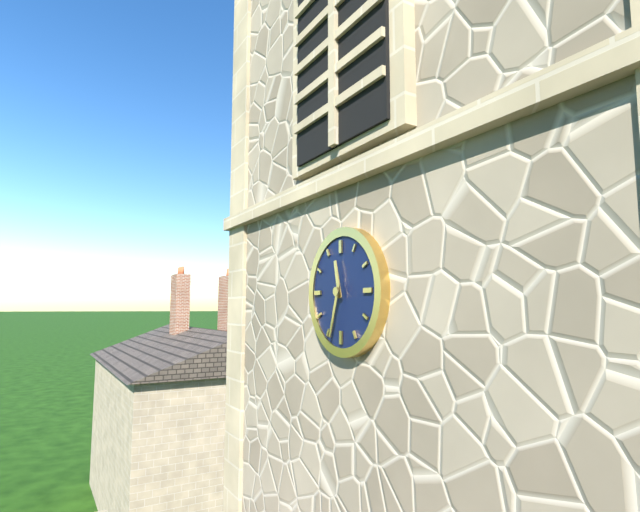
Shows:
11h33
